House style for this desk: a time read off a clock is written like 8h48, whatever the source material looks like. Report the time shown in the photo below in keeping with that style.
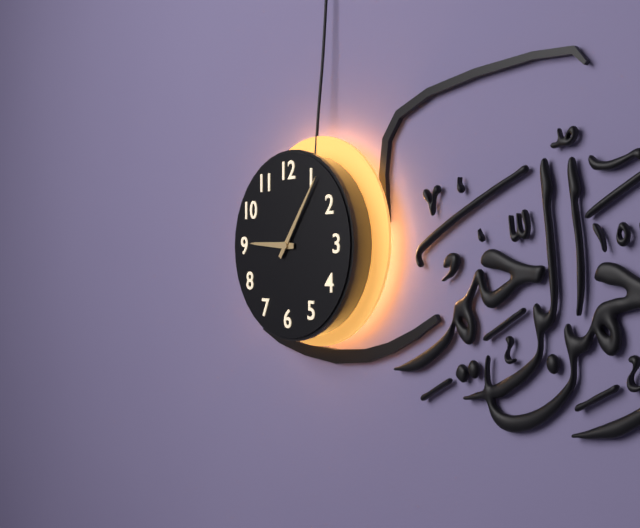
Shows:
9h06
